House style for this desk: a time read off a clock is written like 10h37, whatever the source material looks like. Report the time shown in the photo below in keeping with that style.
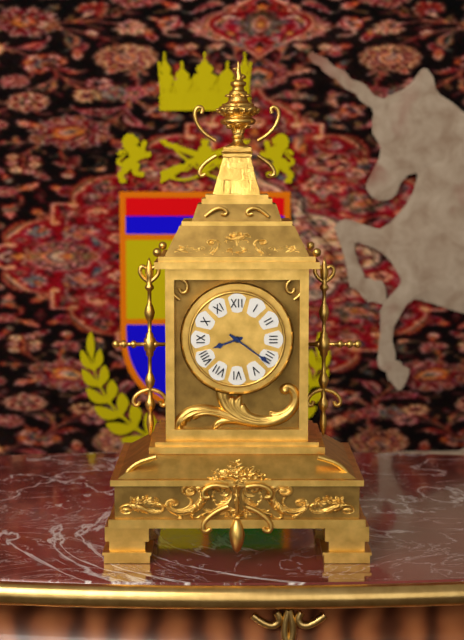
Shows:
8h21
